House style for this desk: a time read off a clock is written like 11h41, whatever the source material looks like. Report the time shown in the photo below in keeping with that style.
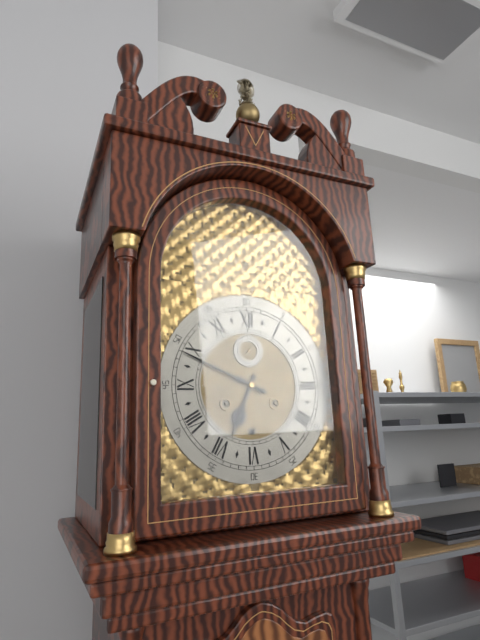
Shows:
6h49
